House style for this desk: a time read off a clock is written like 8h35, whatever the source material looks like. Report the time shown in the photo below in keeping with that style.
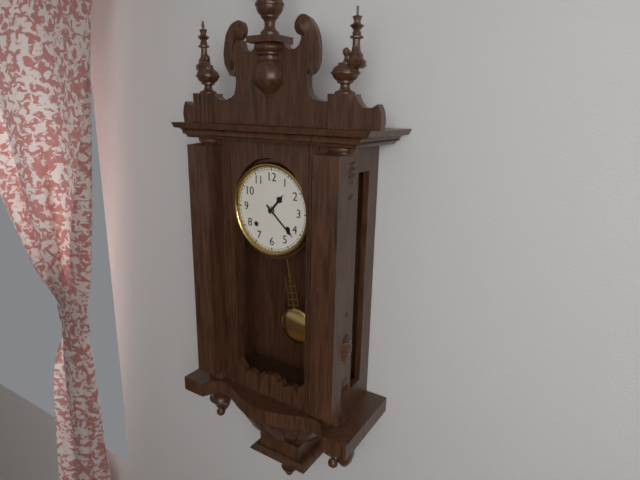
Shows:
1h22
